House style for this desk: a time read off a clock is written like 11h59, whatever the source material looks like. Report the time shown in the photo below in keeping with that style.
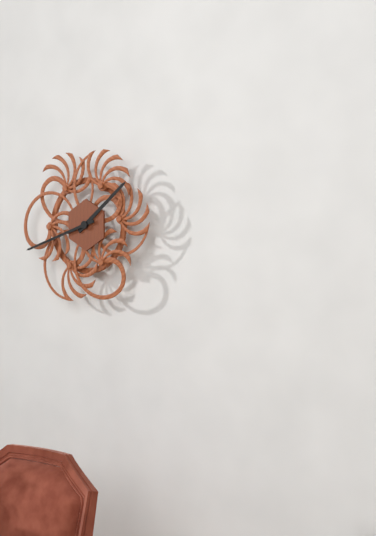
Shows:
1h42
